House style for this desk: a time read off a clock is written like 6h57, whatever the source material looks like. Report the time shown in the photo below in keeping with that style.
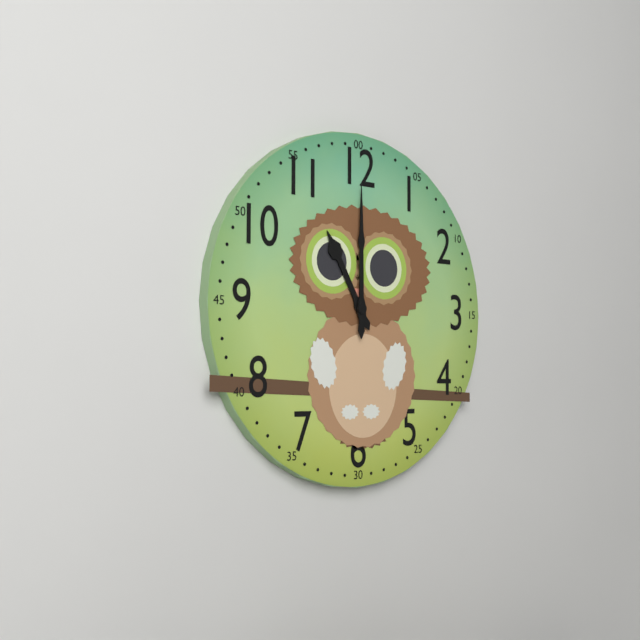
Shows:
11h00
